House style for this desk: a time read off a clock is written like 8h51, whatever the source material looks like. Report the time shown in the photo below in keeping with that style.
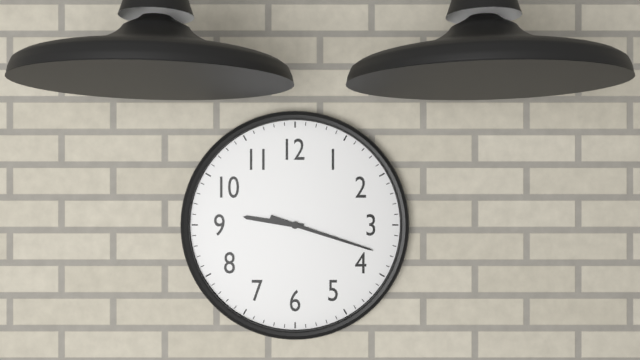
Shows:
9h18
